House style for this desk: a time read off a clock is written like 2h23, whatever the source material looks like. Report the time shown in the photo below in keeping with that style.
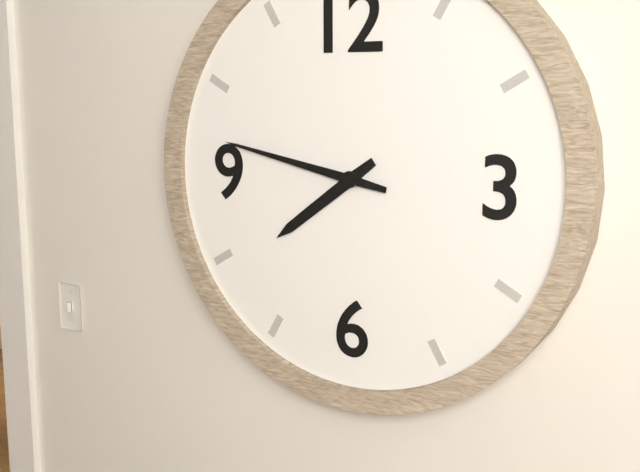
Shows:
7h47
